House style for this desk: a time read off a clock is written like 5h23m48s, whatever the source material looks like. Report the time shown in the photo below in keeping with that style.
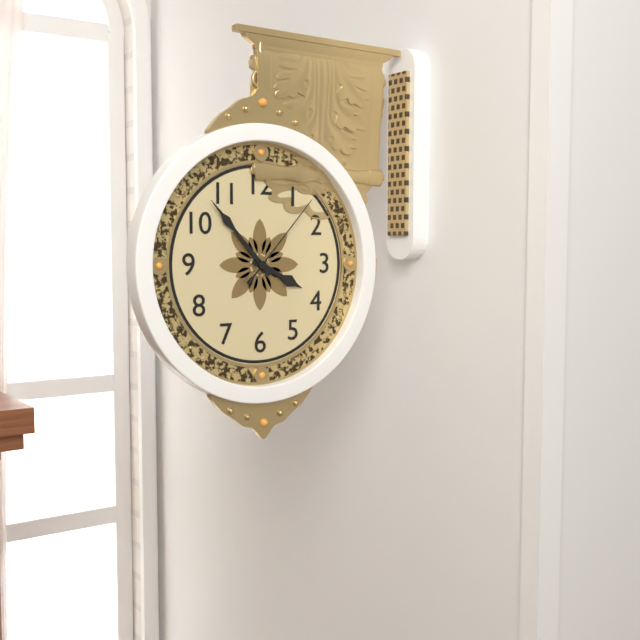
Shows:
3h53m07s
